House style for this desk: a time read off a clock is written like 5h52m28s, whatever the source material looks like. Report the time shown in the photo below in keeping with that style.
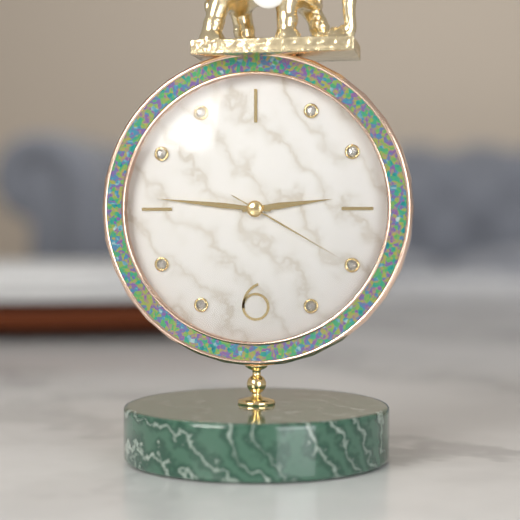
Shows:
2h46m20s
